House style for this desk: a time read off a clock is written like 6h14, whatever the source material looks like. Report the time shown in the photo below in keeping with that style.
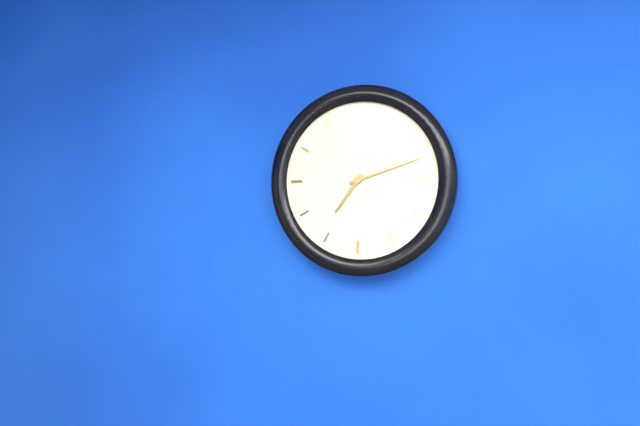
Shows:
7h12
